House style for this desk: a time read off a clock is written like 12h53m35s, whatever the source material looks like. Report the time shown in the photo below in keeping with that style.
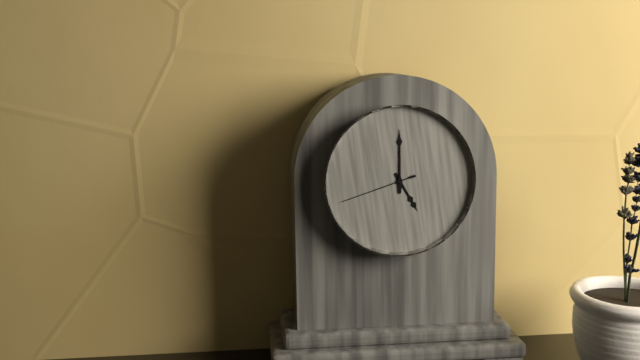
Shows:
5h00m42s
